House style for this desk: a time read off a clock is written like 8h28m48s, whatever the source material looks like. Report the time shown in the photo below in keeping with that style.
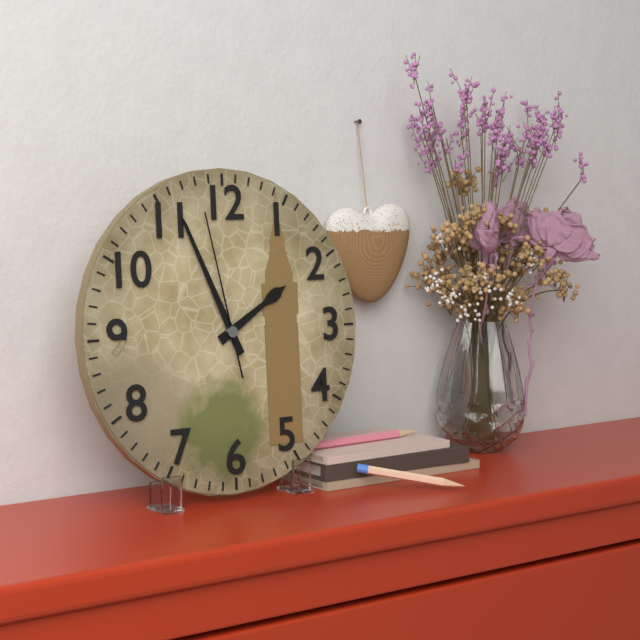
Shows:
1h56m58s
